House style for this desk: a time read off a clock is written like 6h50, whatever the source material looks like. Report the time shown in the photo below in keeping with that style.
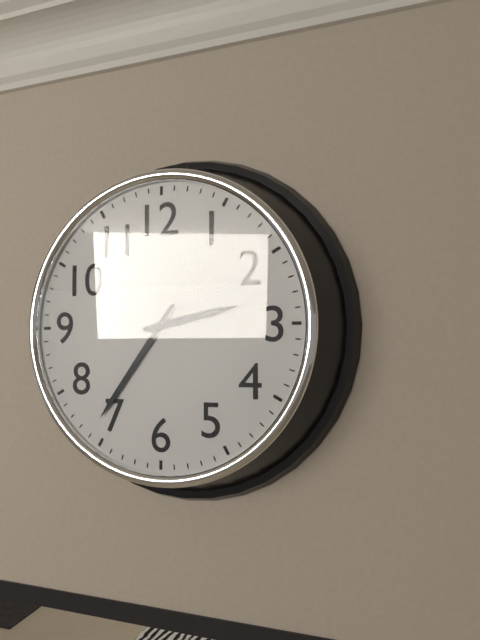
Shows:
2h36
